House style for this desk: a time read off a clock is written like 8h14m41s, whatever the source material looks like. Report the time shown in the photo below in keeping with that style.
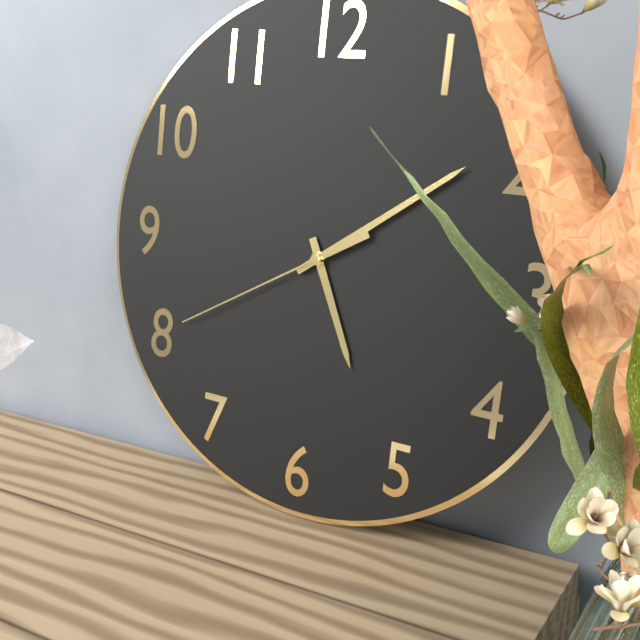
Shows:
5h09m40s
